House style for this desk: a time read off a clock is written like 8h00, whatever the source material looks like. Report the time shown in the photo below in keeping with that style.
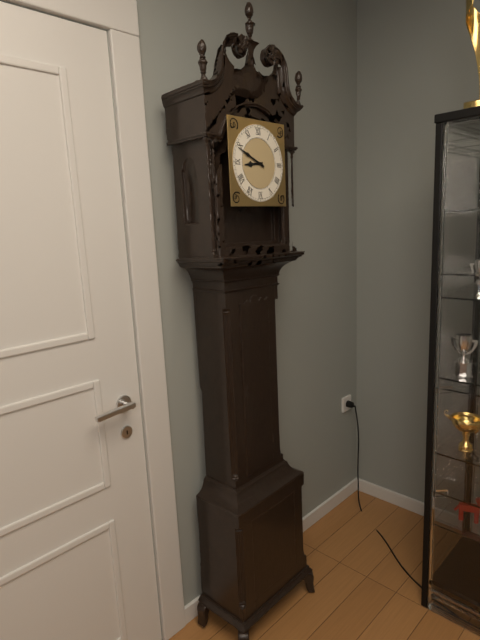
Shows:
8h49
